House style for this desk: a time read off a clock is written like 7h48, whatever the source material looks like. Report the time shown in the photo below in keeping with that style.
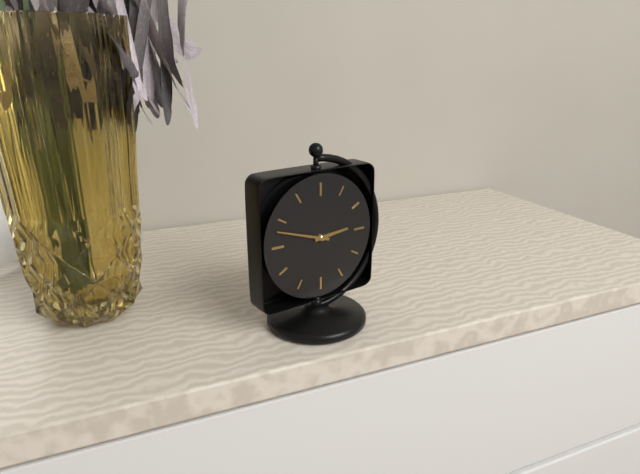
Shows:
2h48
